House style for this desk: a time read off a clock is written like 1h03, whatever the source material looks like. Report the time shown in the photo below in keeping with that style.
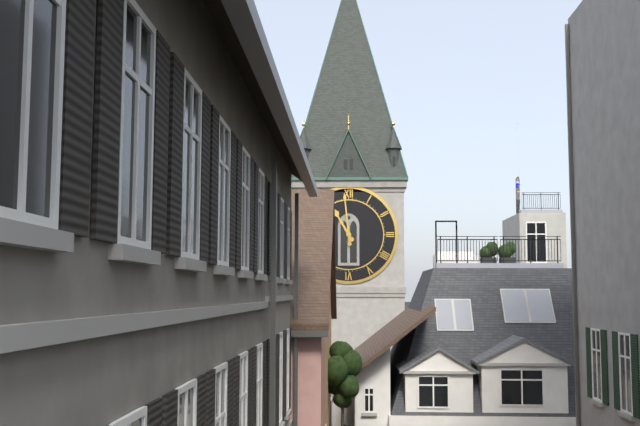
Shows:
10h59
